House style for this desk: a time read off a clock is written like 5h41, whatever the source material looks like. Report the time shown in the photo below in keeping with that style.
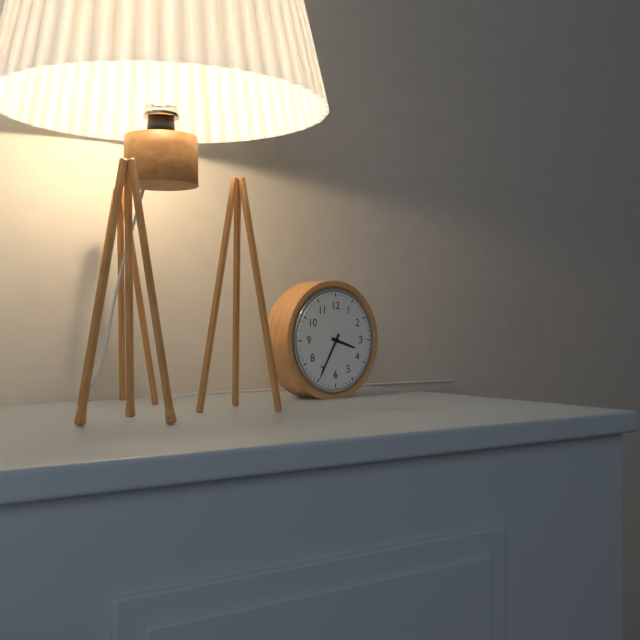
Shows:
3h35
